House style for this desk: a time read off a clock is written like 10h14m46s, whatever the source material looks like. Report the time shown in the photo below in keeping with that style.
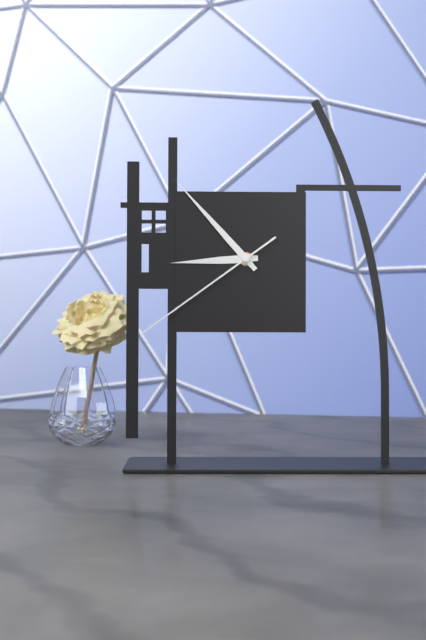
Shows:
8h53m39s
